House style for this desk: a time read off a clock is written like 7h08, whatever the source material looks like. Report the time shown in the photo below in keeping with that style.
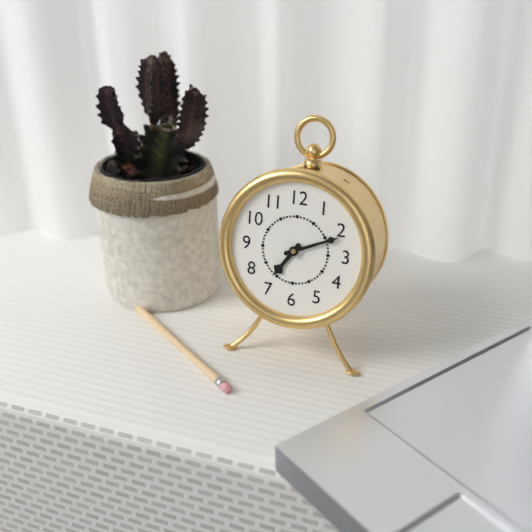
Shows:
7h11
